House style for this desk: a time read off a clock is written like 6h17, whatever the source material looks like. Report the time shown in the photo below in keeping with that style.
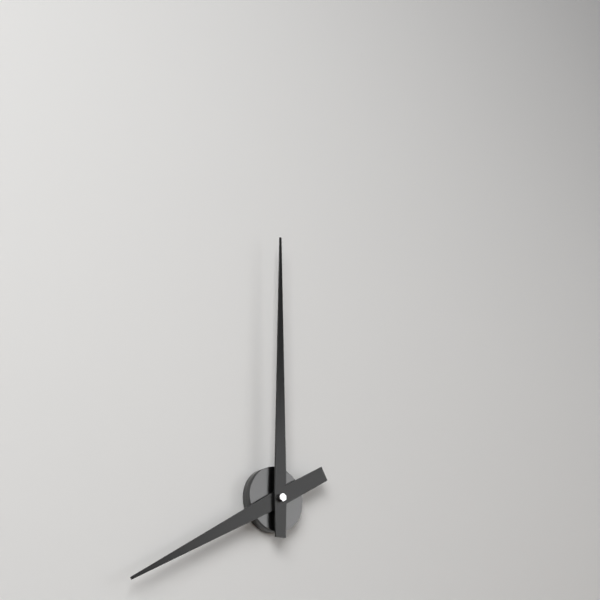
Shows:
8h00
